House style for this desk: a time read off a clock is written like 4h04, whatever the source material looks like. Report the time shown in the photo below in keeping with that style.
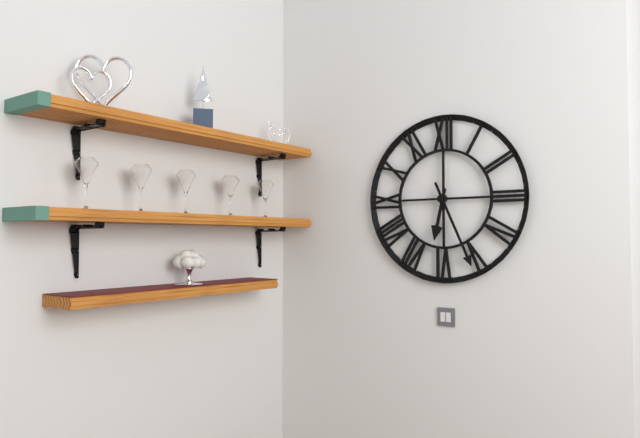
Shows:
6h26
